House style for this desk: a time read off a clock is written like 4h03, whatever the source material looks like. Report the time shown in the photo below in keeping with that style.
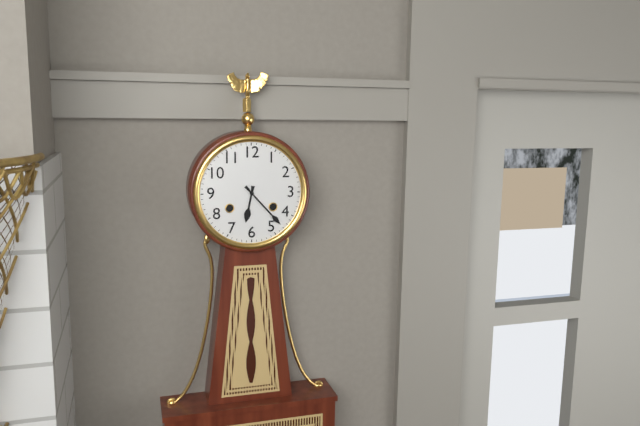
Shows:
6h23
